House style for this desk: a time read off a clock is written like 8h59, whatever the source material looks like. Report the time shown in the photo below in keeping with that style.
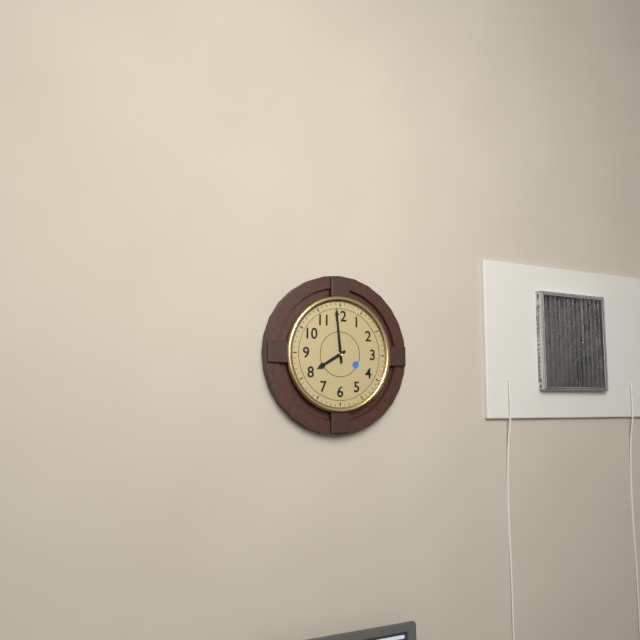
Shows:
7h59
